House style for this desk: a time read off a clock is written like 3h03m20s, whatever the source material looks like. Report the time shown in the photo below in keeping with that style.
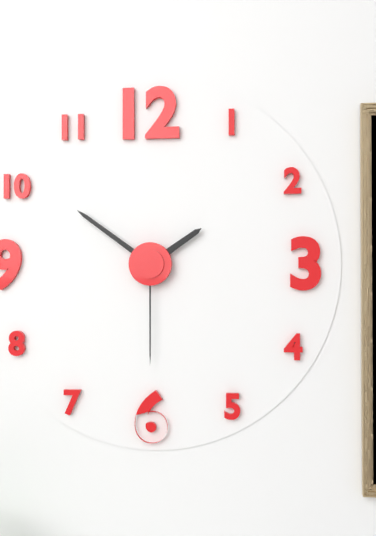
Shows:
1h51m30s
